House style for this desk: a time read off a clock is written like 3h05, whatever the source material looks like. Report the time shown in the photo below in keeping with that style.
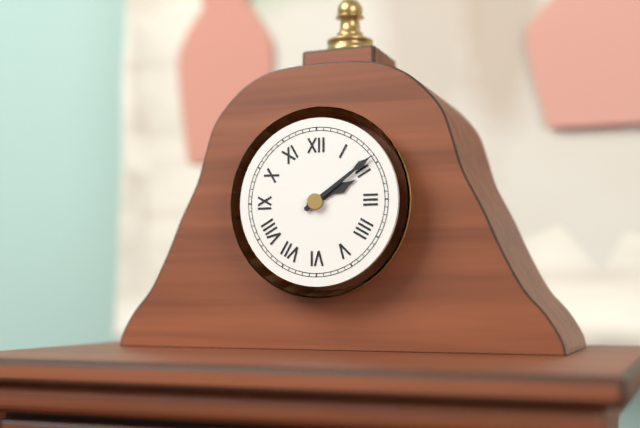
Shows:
2h09
